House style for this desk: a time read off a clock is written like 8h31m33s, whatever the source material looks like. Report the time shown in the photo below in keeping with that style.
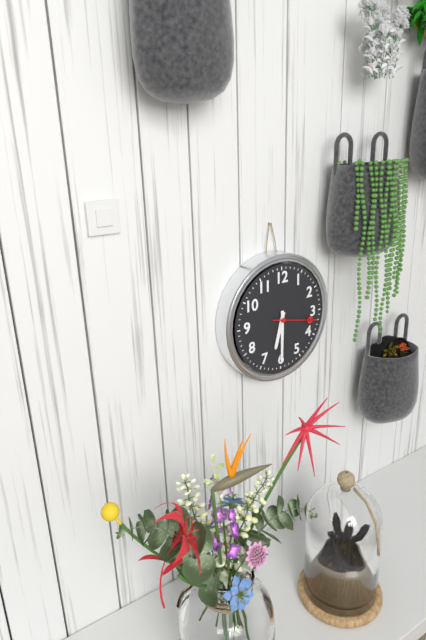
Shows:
6h30m17s
